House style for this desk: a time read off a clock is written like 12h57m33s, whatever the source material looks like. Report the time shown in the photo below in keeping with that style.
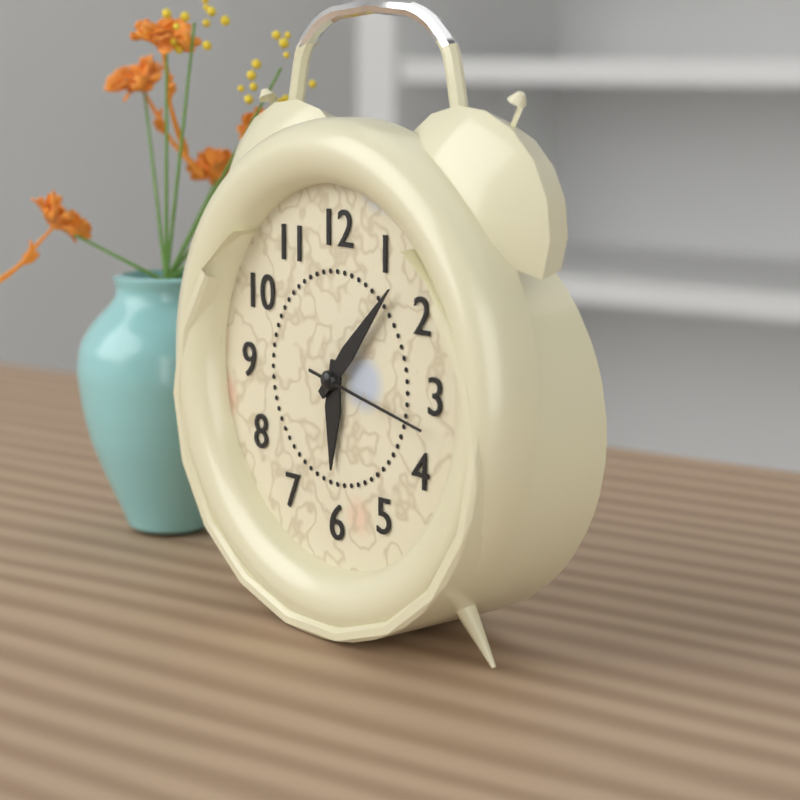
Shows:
6h07m17s
